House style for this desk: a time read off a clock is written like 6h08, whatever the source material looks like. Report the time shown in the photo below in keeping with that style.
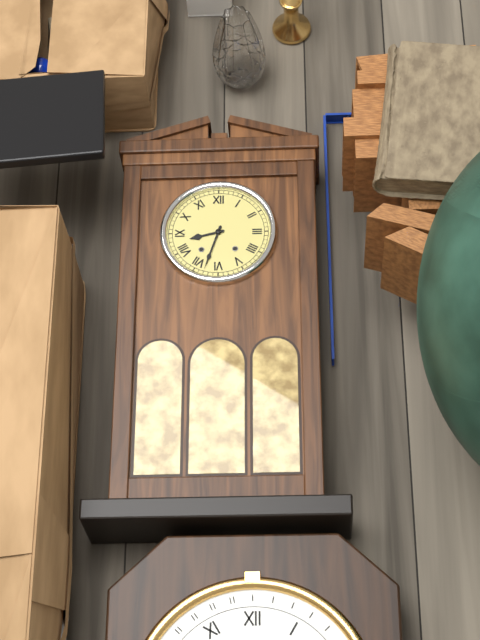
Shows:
8h33
